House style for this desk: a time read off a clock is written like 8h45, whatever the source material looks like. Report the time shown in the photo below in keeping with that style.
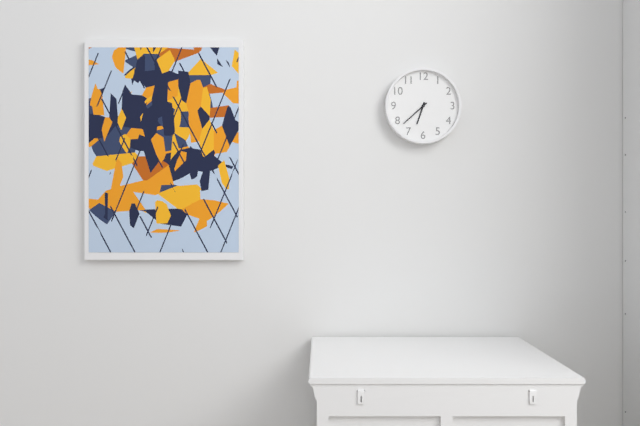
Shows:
6h38
